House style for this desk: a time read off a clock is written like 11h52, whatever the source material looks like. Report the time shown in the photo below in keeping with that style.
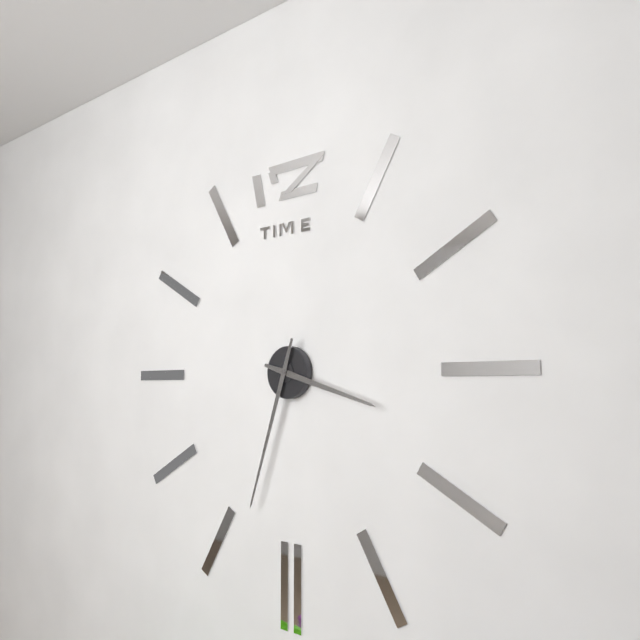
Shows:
3h33
